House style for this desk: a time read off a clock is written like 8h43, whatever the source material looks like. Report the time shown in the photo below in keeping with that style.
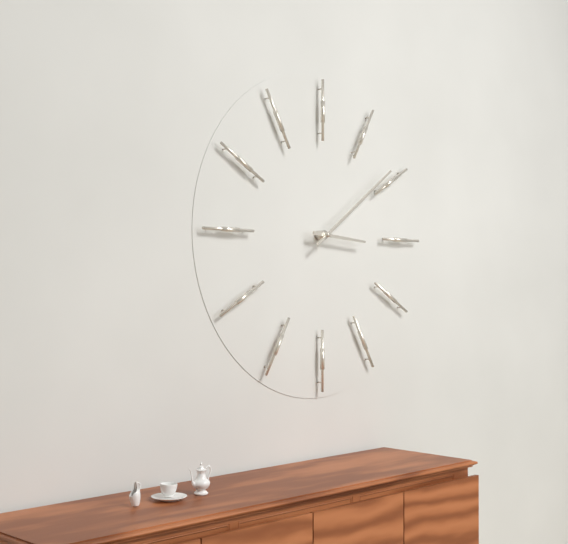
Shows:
3h09
